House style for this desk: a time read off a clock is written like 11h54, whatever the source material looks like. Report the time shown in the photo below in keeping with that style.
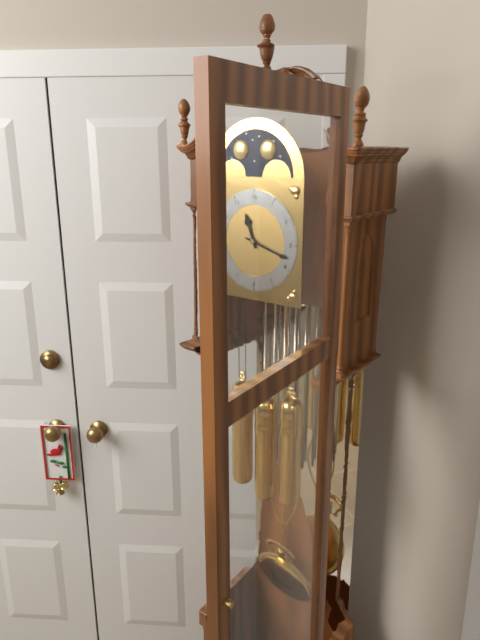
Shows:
11h18
